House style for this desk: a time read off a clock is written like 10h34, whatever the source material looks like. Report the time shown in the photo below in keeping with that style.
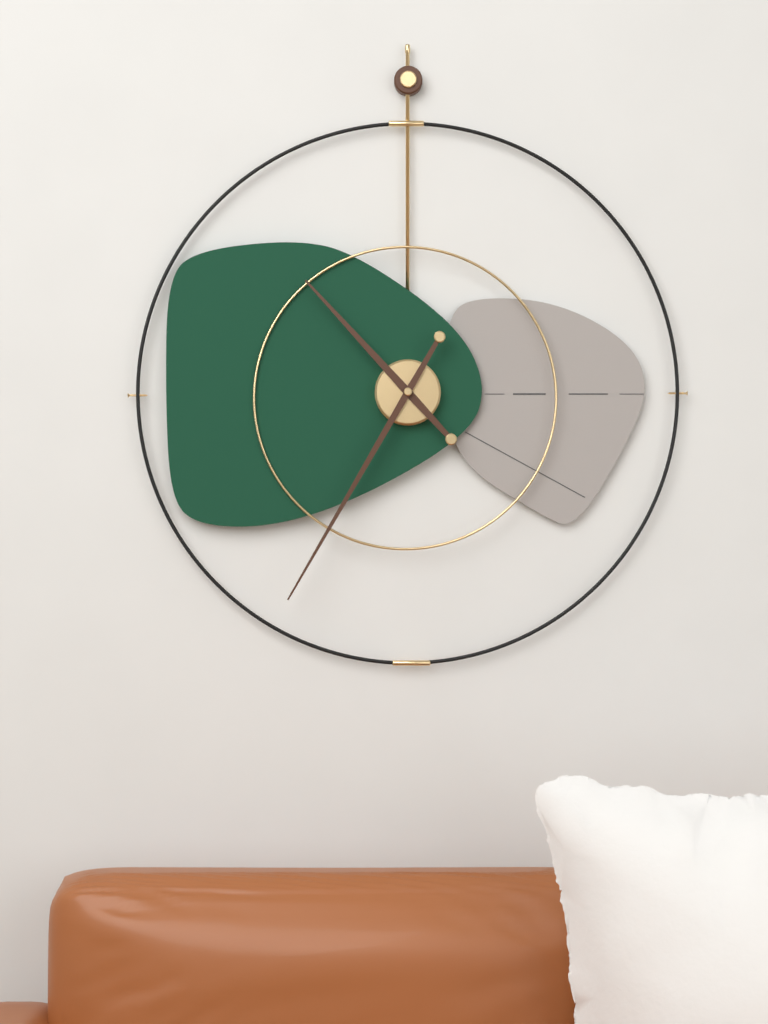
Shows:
10h35
